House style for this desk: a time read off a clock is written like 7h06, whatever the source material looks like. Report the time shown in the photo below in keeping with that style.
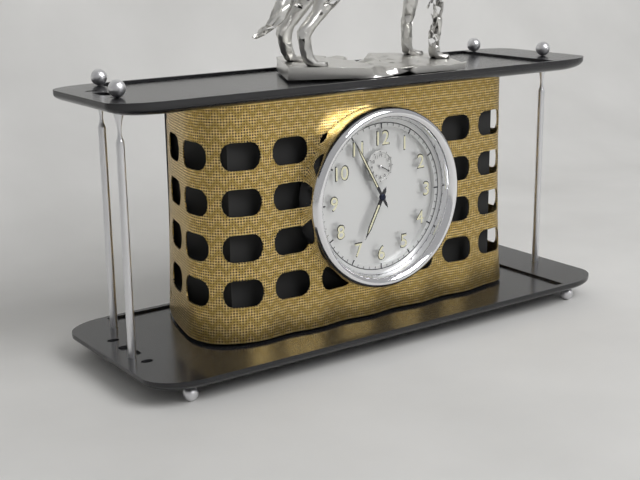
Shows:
6h55
